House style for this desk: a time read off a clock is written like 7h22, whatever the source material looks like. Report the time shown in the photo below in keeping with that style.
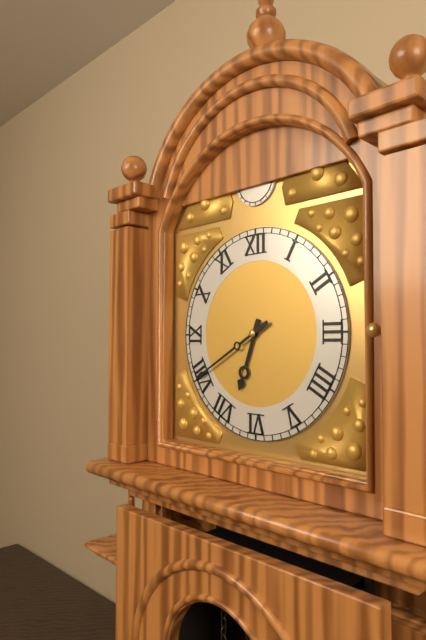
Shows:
6h40
